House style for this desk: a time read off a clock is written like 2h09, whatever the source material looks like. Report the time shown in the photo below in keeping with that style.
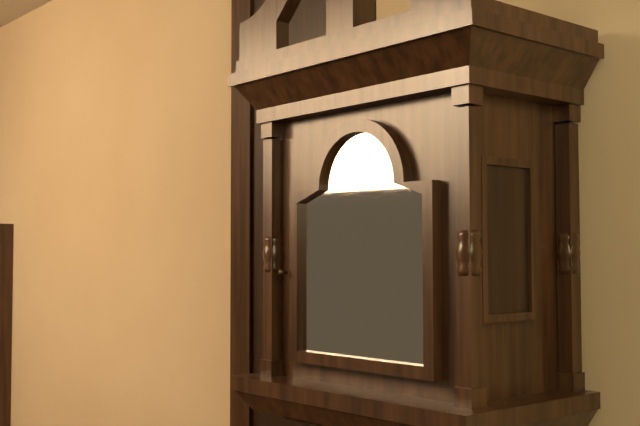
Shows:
4h33
